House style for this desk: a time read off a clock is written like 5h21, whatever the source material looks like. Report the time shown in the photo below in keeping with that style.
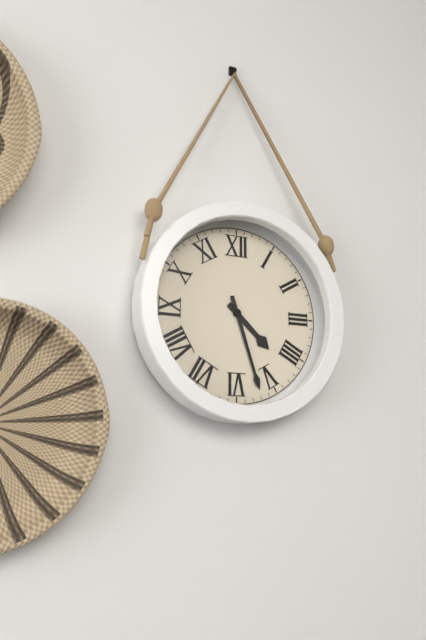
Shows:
4h27
